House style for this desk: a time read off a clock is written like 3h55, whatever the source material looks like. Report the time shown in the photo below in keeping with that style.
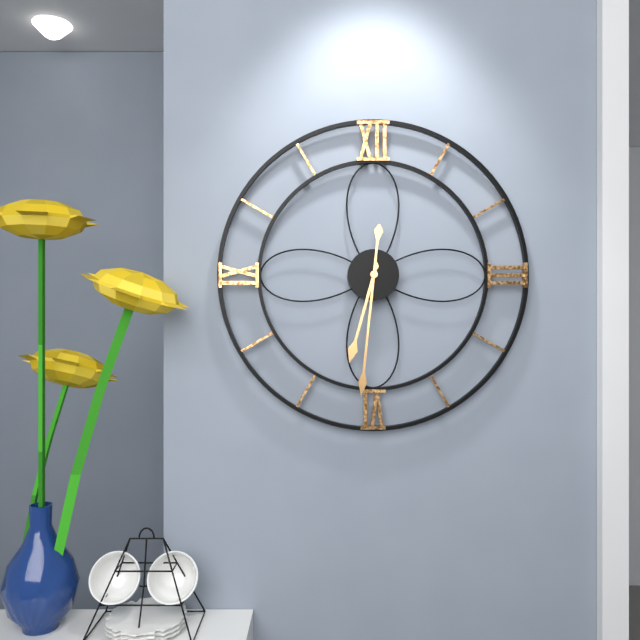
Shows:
6h31
